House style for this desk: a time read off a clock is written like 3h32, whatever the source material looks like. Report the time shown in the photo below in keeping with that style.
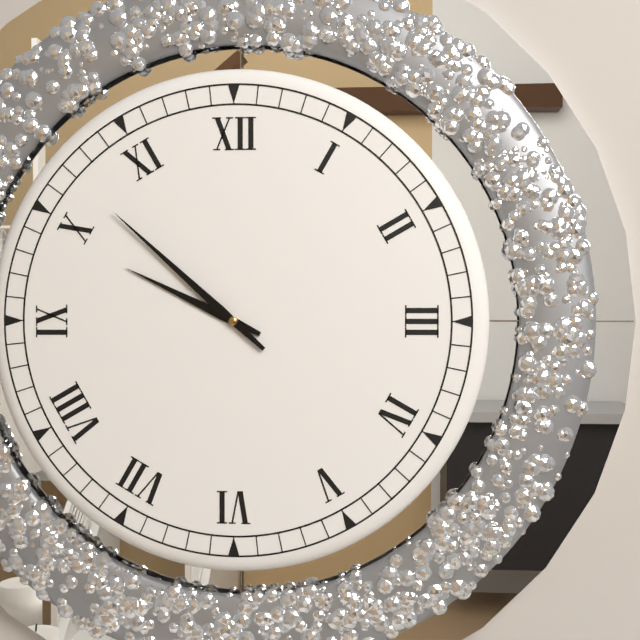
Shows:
9h52
